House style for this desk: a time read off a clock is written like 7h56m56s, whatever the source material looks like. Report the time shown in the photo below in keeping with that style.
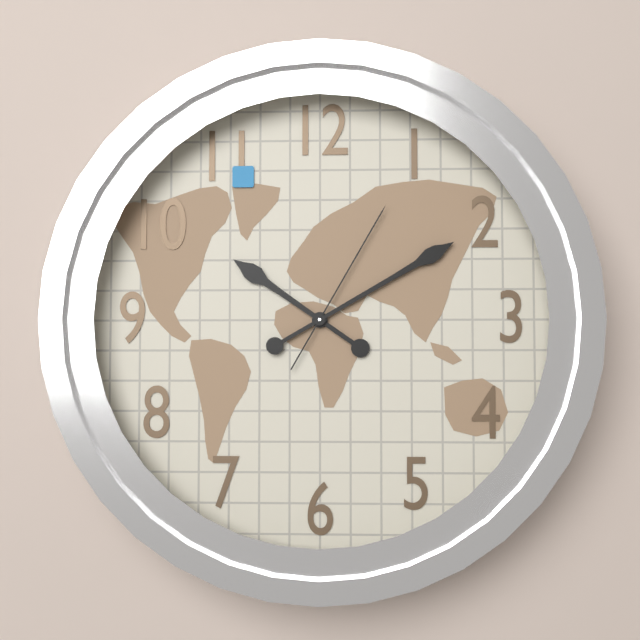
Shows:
10h10m05s
